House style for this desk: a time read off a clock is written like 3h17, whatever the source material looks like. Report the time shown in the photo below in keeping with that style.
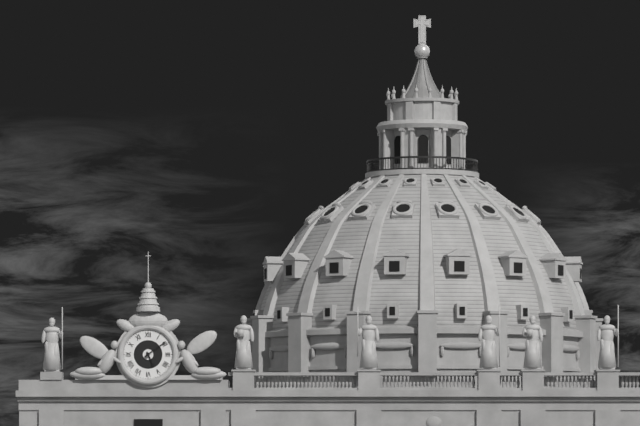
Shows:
5h09
